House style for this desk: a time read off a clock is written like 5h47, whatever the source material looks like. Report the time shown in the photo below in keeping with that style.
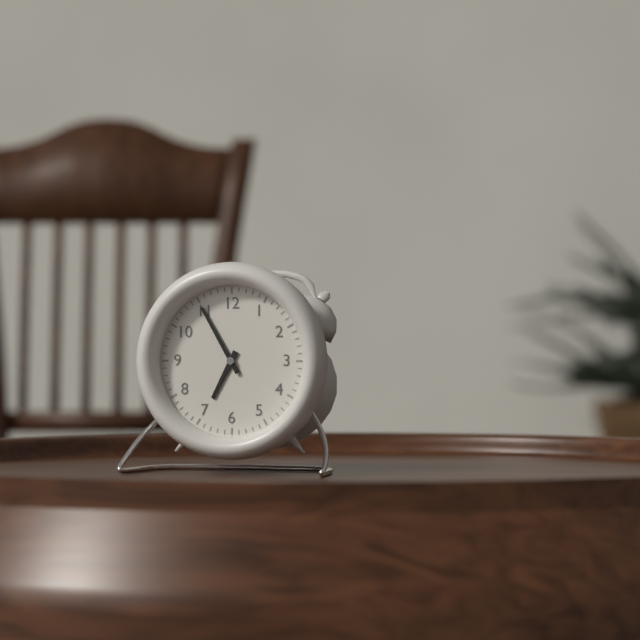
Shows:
6h55
